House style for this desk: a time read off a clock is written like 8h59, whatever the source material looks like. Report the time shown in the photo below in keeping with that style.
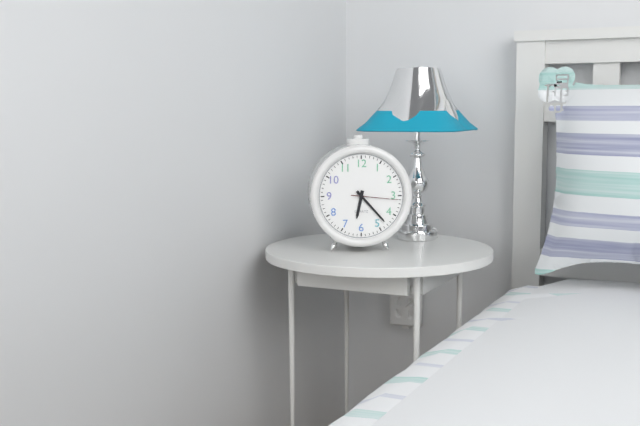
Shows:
6h23
